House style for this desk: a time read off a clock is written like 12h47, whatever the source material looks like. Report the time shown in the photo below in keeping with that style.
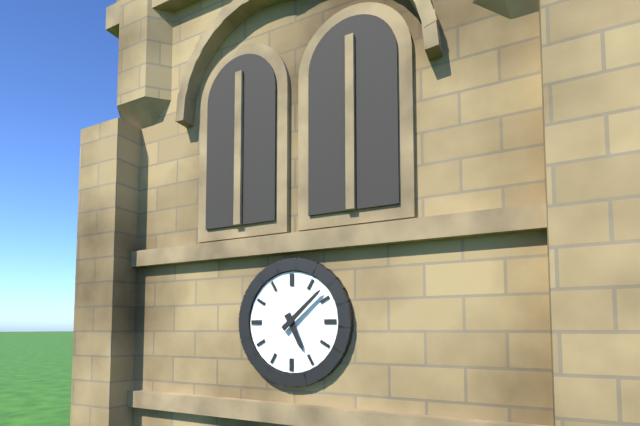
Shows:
5h08
